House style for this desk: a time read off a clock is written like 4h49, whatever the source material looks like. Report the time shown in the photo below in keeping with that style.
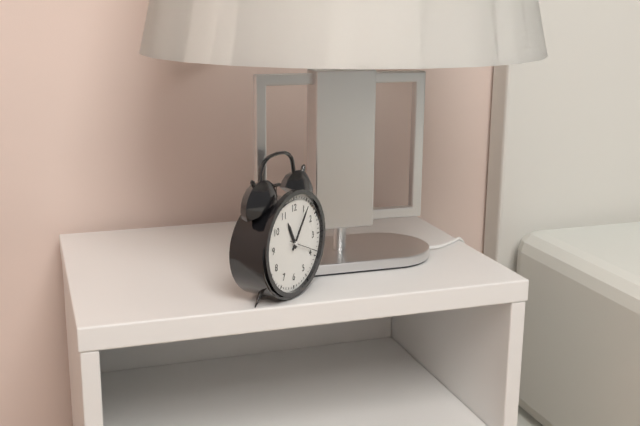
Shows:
11h06
